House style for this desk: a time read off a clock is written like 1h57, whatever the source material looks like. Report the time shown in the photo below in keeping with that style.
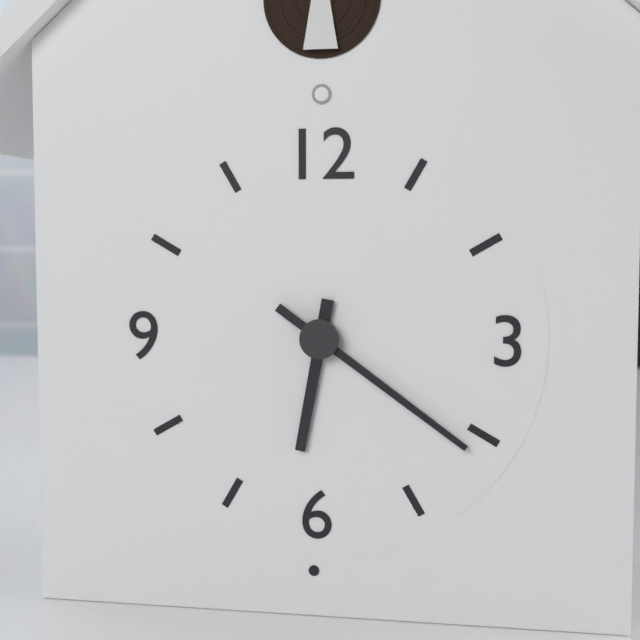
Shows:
6h21
